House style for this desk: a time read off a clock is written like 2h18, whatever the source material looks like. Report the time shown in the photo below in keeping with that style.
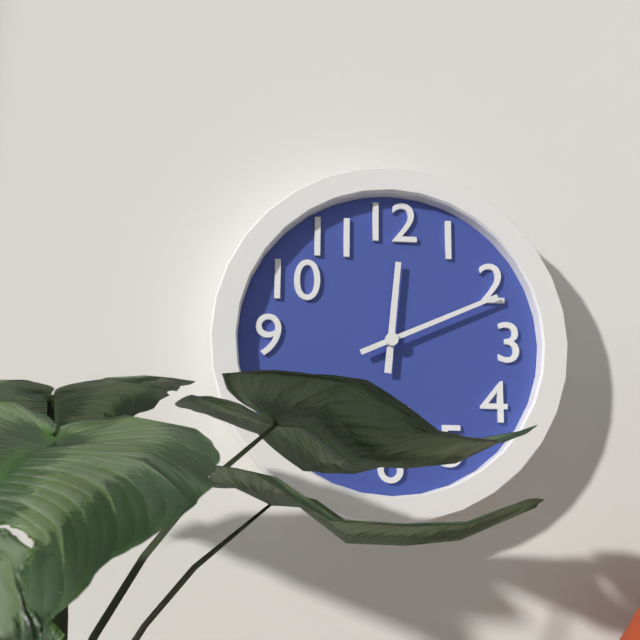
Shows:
12h11
